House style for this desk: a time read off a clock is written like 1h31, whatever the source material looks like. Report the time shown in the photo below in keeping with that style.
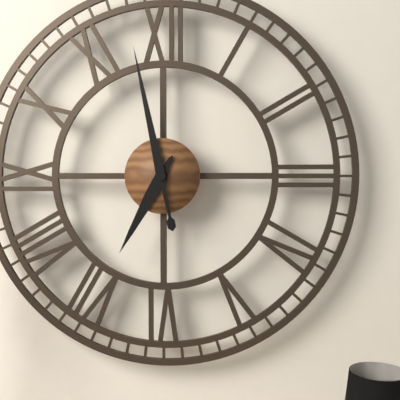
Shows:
6h58
